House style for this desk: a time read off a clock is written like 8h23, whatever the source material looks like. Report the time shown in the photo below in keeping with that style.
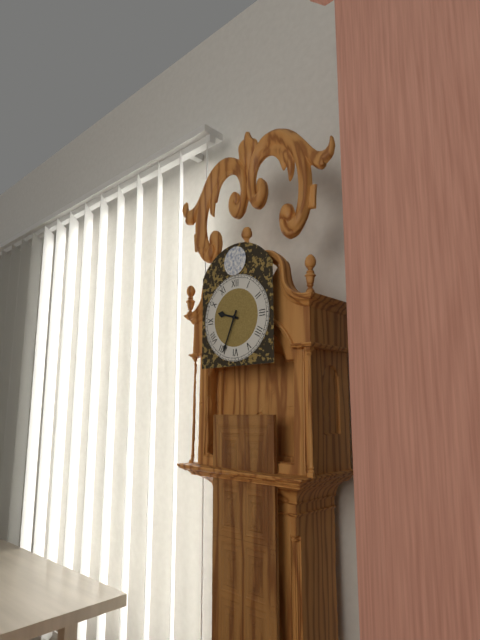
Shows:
9h34
